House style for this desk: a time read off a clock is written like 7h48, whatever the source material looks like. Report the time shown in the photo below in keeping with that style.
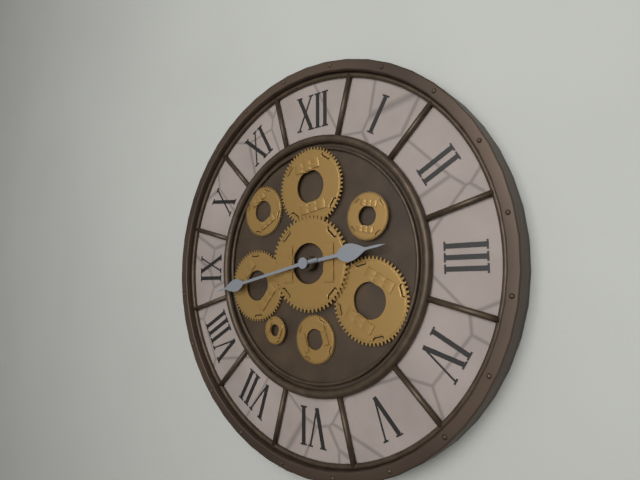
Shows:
2h43
